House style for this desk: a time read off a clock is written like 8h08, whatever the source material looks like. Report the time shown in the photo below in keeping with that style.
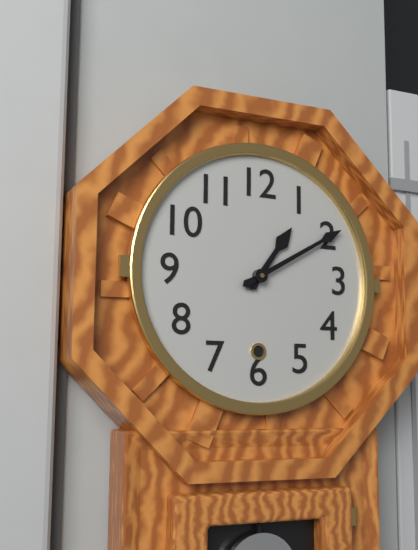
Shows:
1h10
